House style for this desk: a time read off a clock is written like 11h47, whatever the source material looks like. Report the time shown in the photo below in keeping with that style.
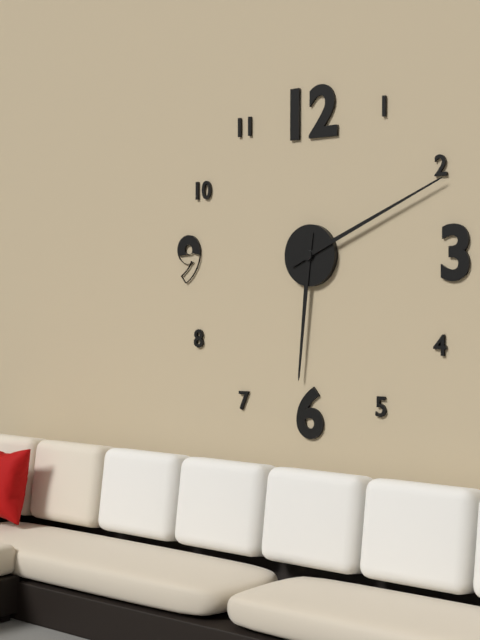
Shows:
6h11
